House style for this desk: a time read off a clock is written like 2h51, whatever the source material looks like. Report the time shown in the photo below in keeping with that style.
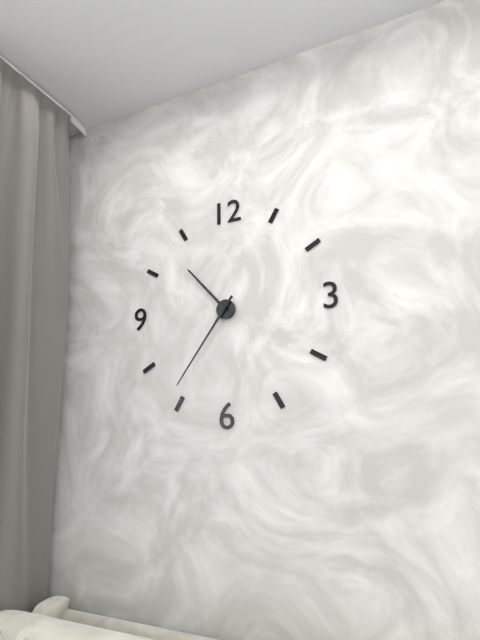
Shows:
10h36
